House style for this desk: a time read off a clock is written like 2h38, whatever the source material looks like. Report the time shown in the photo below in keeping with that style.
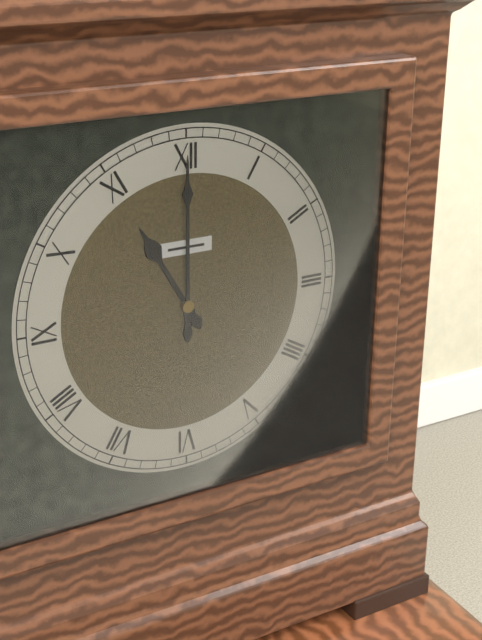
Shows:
11h00
